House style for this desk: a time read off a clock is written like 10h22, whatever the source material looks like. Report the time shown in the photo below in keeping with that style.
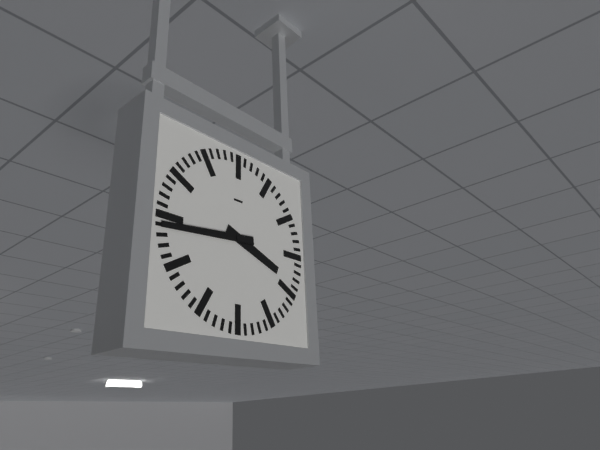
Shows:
3h44
